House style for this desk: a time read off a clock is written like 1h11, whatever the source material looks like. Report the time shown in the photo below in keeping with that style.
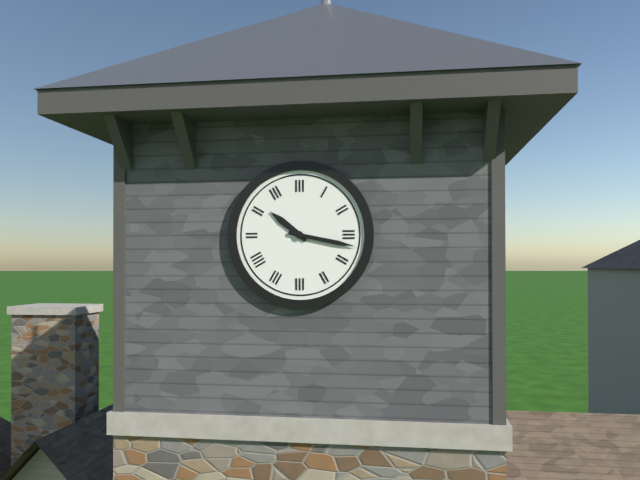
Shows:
10h17
